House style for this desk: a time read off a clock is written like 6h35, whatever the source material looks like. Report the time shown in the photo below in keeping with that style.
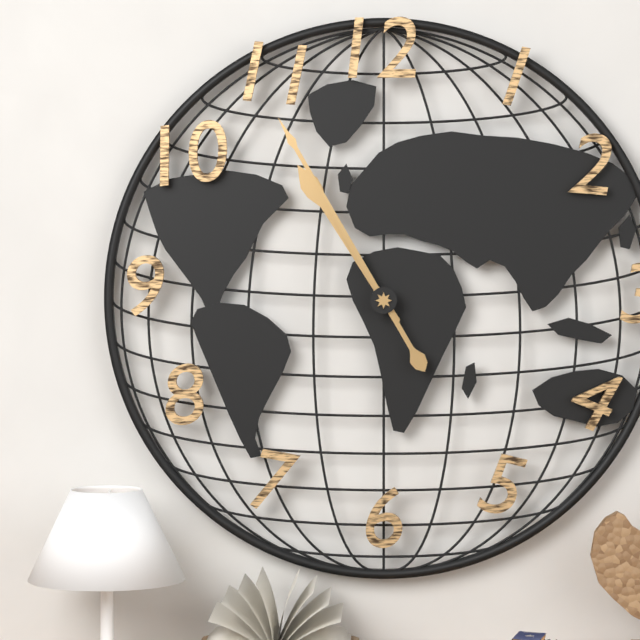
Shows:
10h55
